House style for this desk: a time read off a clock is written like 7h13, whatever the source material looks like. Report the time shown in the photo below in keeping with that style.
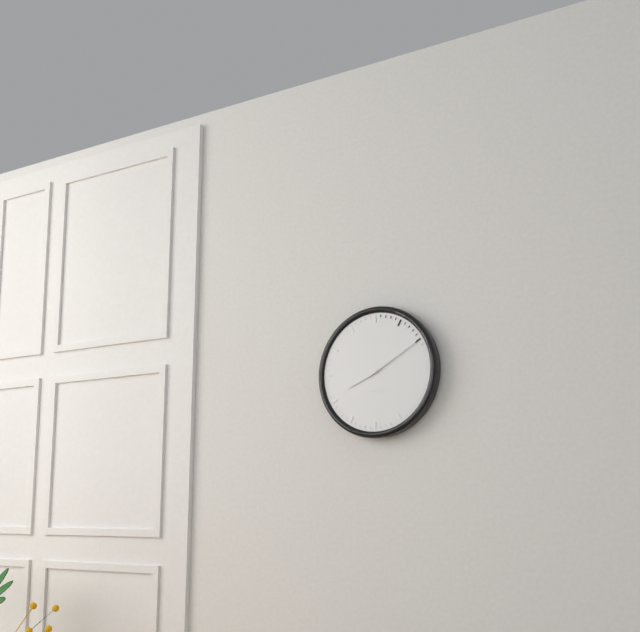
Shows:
8h10
